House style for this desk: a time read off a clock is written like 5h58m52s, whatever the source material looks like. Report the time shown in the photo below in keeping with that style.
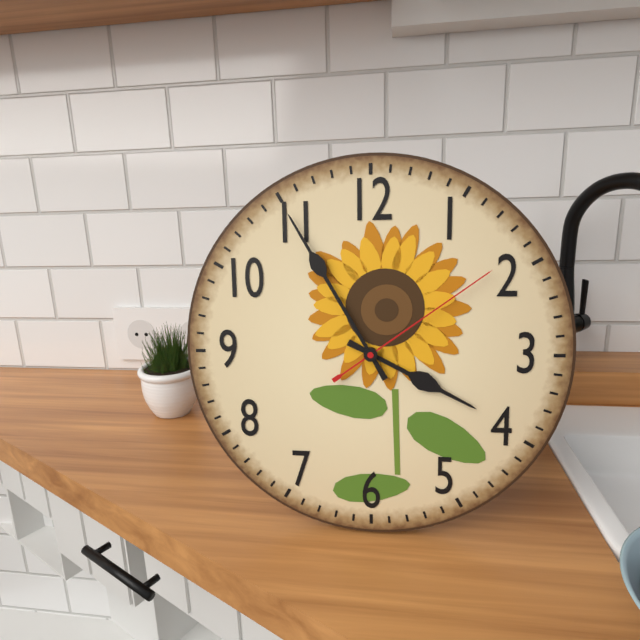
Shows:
3h55m09s
